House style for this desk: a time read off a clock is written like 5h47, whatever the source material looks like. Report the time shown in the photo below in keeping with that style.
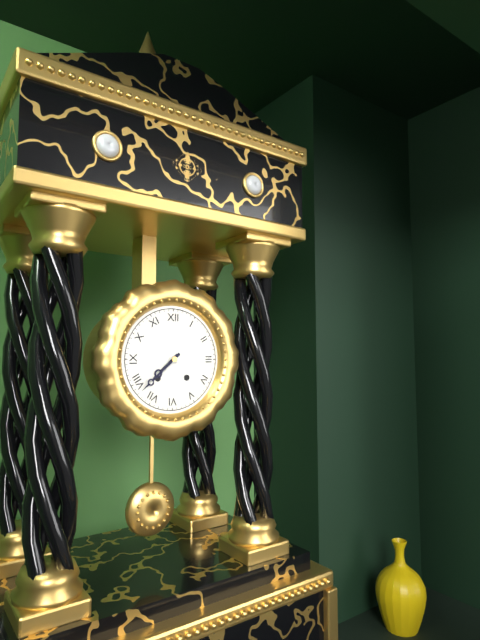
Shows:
7h38
